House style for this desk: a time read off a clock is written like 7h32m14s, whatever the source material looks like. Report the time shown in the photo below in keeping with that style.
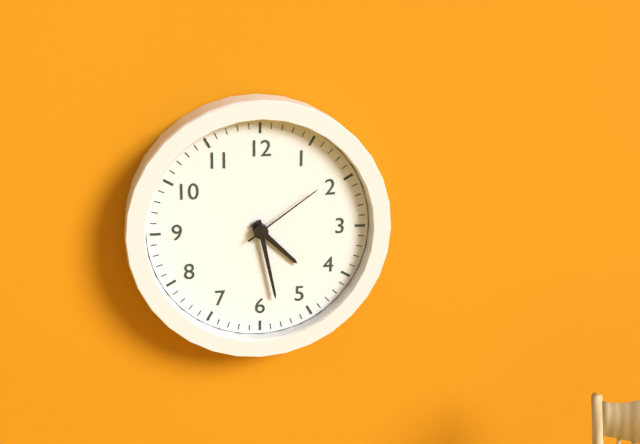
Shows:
4h28m09s
